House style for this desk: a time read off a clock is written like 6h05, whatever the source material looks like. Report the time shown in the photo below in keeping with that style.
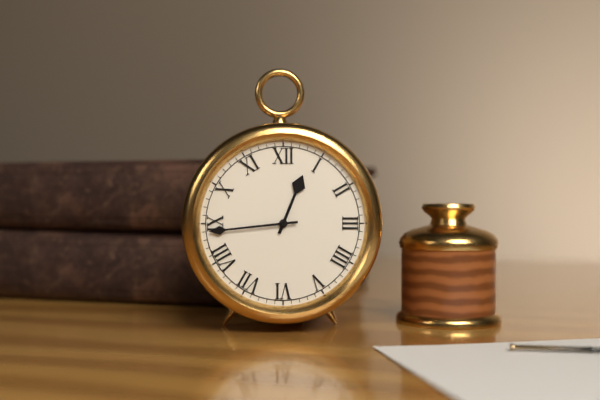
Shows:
12h44
